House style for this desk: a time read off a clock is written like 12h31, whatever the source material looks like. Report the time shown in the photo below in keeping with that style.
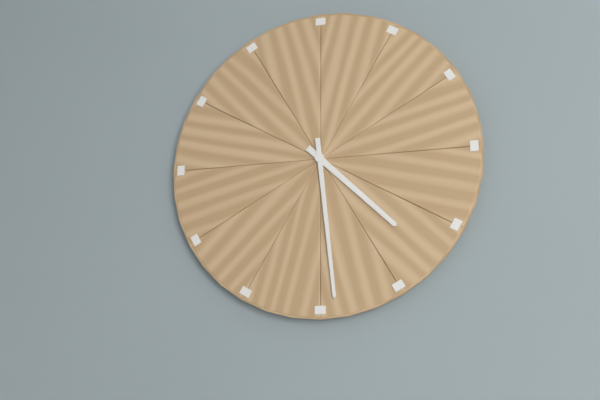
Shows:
4h29
